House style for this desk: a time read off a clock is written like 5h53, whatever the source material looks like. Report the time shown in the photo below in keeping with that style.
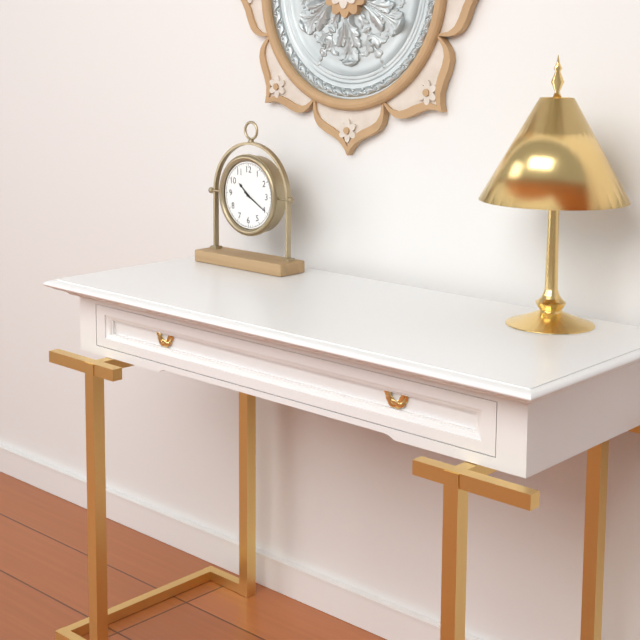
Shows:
10h20
